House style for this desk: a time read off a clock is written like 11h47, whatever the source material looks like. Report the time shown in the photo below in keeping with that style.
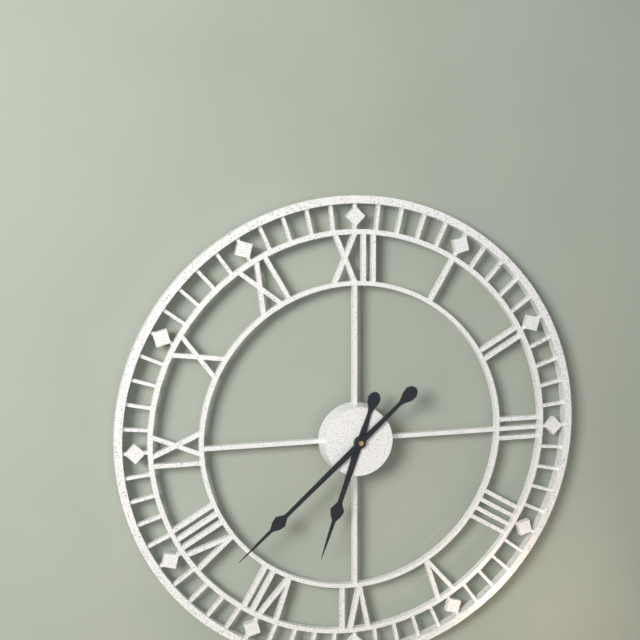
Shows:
6h38
